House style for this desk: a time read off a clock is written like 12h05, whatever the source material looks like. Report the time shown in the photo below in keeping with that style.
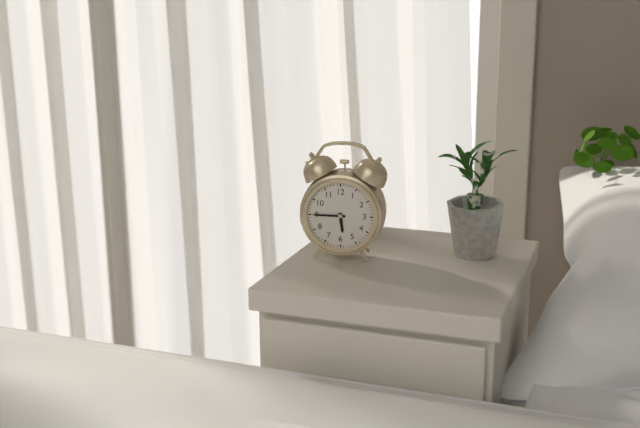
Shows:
5h45
